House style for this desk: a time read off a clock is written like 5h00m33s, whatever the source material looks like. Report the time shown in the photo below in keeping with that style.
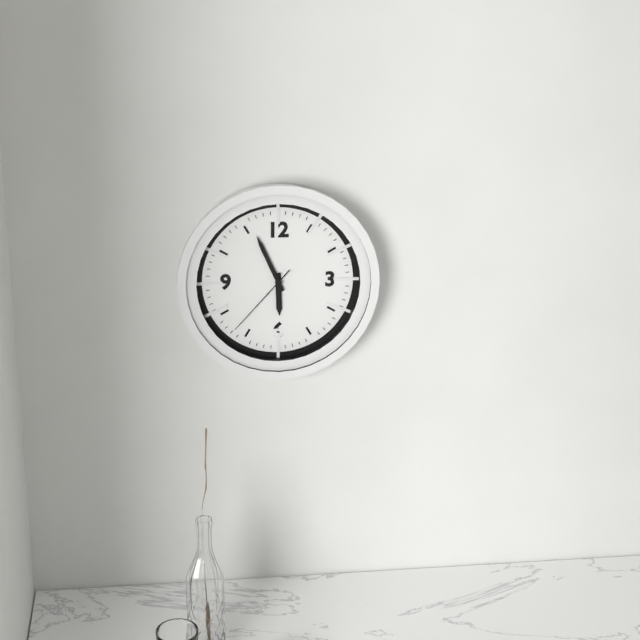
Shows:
5h56m37s
